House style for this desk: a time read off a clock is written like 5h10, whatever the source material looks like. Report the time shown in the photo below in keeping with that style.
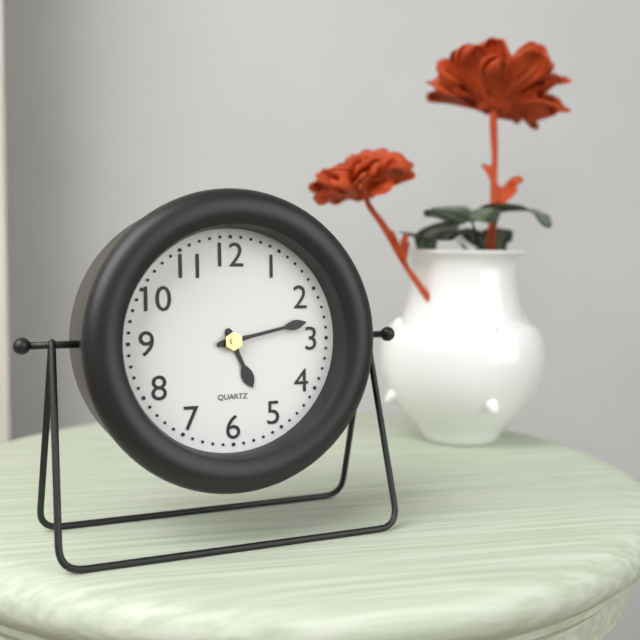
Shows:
5h13
